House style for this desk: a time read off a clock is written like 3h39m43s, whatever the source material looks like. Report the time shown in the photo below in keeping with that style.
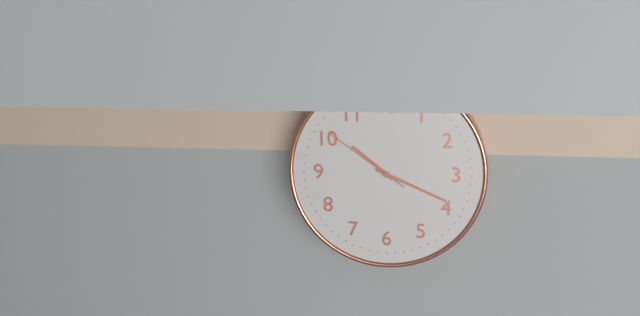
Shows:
10h19m51s
